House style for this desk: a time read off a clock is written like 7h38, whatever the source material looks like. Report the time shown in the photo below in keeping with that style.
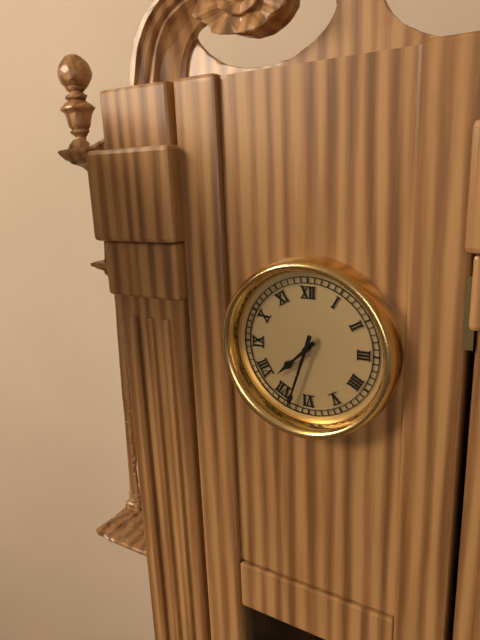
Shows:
7h33
